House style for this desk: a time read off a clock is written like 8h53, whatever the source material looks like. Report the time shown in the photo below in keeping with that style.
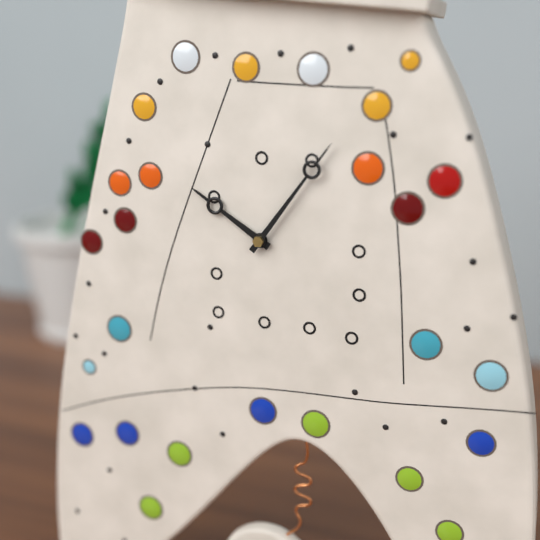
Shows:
10h06
